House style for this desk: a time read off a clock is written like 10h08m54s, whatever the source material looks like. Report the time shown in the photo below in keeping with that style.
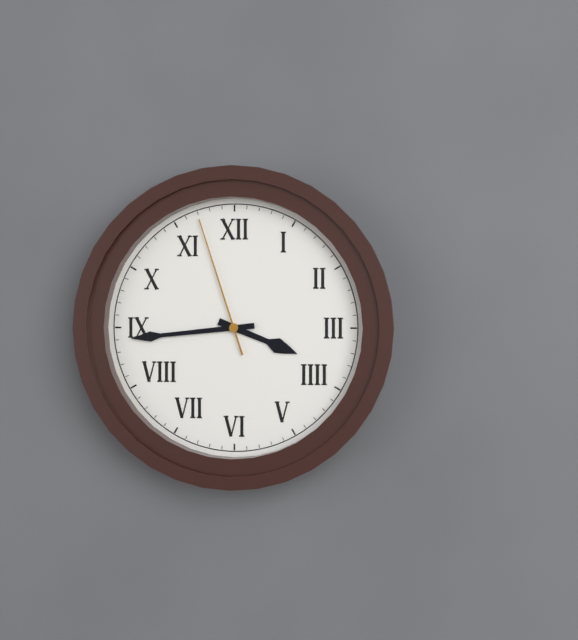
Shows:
3h44m57s
